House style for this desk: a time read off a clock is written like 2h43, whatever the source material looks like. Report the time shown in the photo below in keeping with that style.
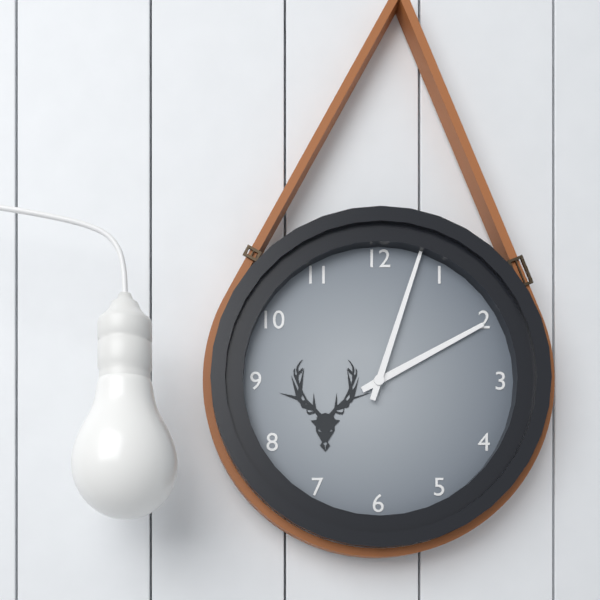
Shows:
2h03
